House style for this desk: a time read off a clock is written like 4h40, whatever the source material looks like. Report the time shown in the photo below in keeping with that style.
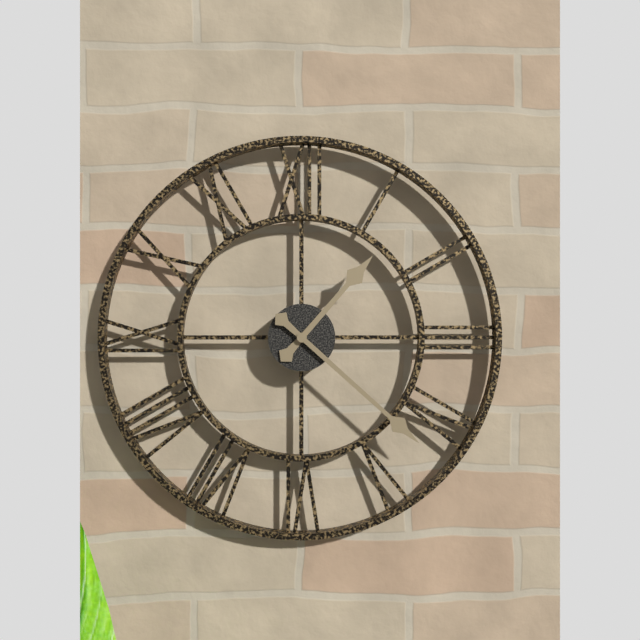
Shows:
1h22
